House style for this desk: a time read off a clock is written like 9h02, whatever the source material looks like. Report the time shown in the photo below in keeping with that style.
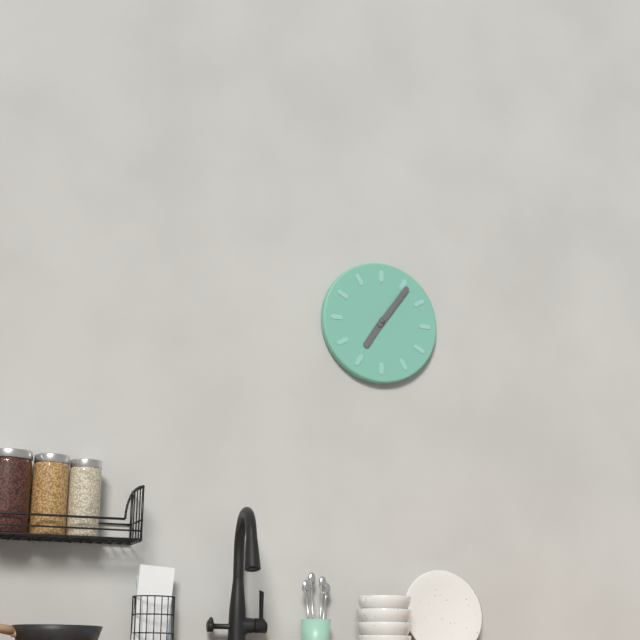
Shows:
7h06
